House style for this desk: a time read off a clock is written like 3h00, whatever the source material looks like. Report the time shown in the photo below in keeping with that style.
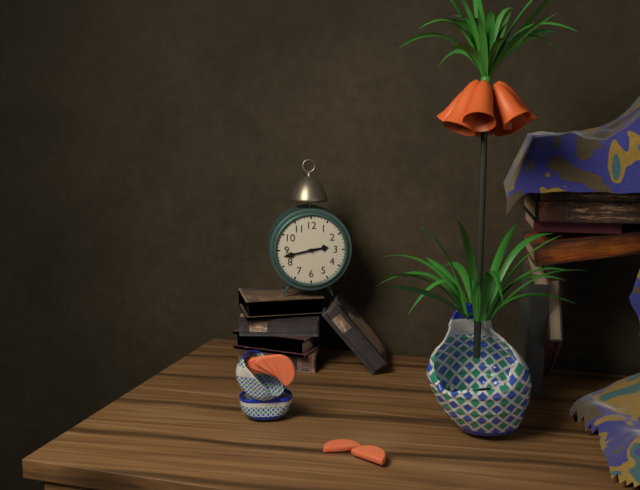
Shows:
2h43
